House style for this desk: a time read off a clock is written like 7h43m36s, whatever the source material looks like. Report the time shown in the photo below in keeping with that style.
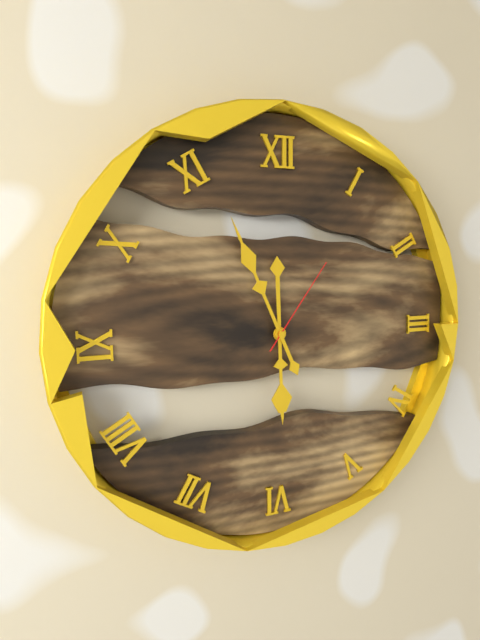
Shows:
5h56m06s
